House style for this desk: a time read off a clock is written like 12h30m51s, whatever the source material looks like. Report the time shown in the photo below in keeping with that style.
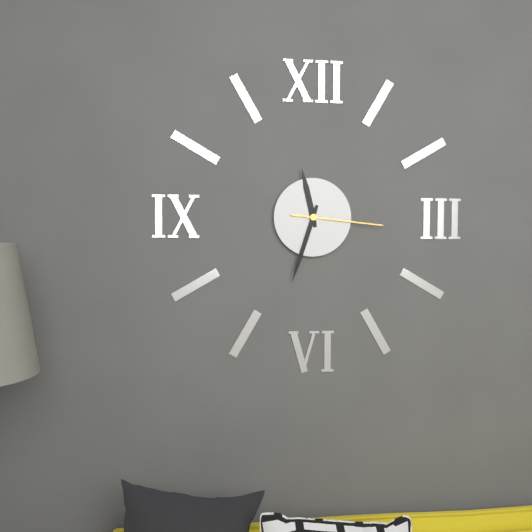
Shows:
11h33m16s
